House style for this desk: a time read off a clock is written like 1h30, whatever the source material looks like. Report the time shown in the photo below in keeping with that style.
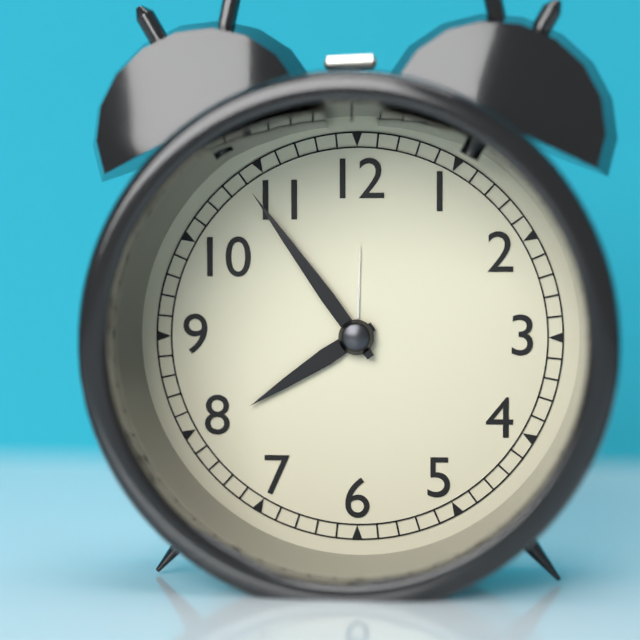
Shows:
7h54
